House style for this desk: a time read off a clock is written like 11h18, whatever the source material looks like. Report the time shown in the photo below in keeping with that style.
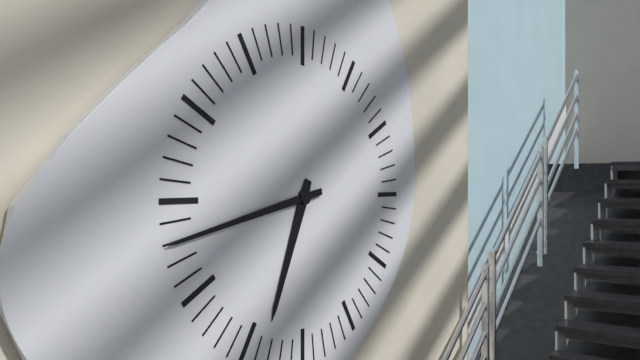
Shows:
6h43
